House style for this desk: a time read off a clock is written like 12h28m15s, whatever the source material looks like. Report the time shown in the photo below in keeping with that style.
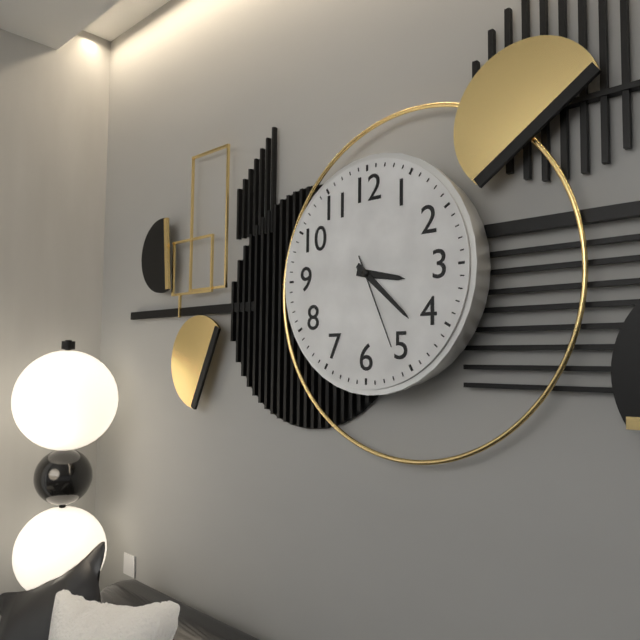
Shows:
3h22m26s
